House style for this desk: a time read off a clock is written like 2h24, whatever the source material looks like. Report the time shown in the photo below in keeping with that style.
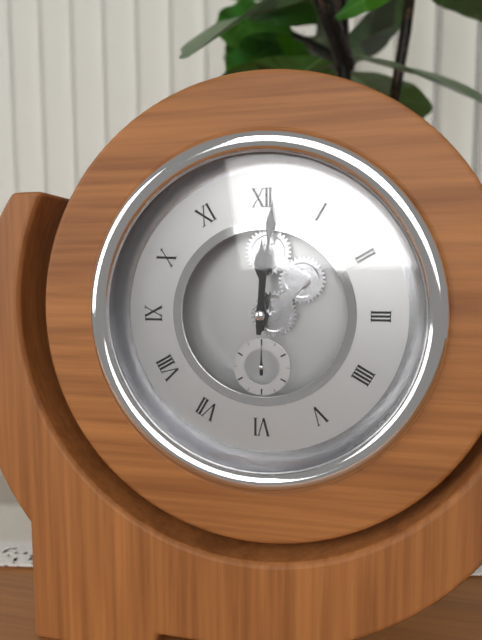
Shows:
12h01
